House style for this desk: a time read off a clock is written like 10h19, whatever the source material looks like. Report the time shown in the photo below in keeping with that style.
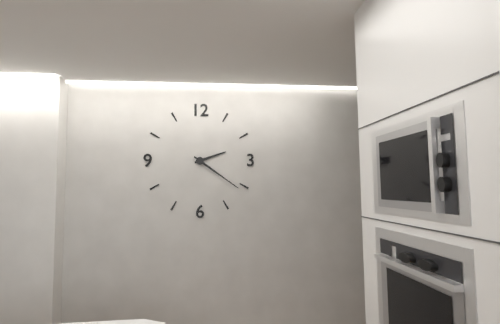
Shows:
2h21
